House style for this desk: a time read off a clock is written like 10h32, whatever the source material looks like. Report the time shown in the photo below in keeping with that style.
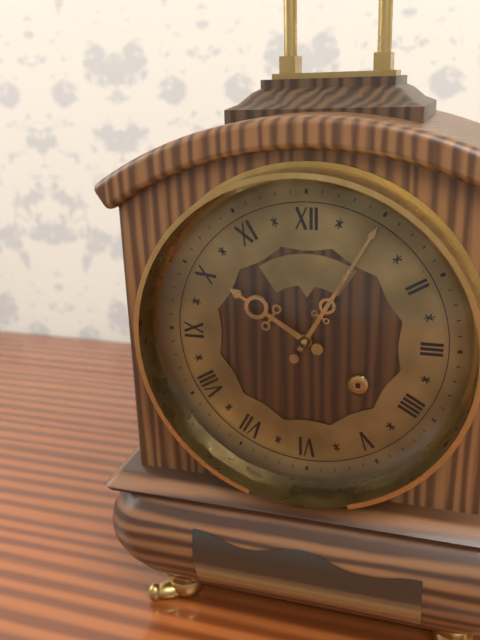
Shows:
10h05
